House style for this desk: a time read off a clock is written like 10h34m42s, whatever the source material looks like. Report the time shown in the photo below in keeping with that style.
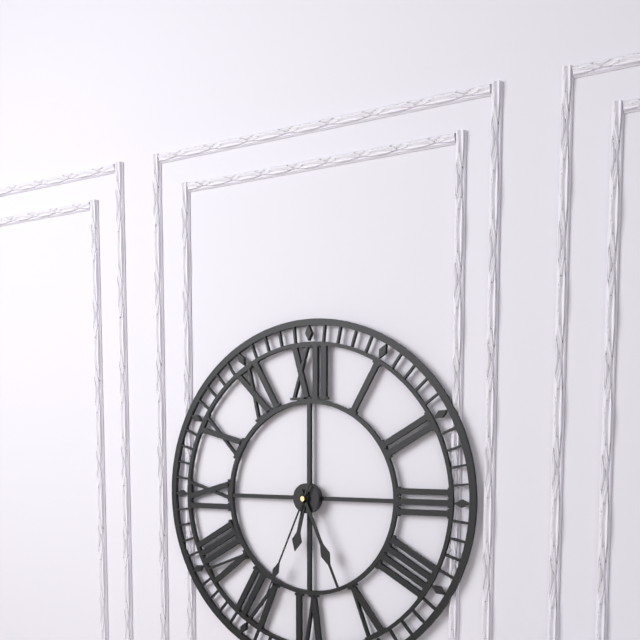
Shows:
6h26m34s
